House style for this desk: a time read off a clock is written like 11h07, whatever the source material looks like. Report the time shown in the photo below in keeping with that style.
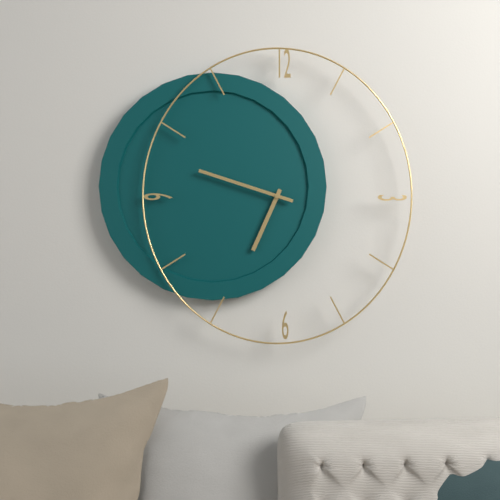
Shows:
6h48
